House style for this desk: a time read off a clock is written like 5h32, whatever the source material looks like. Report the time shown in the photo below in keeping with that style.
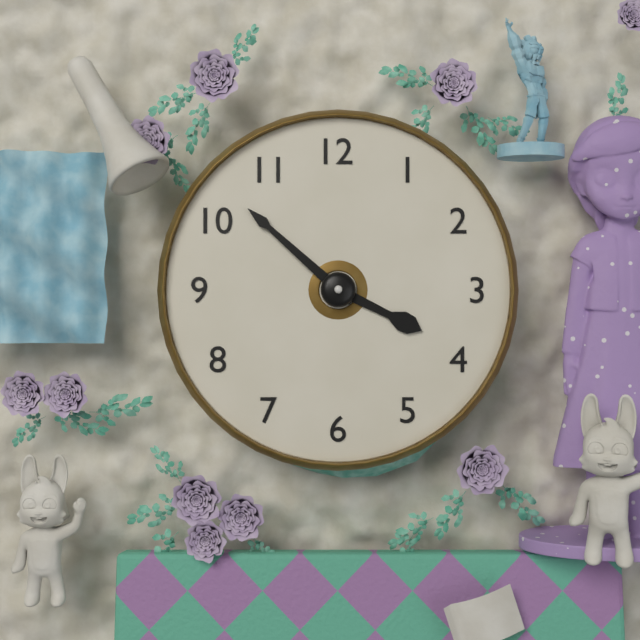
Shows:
3h52
